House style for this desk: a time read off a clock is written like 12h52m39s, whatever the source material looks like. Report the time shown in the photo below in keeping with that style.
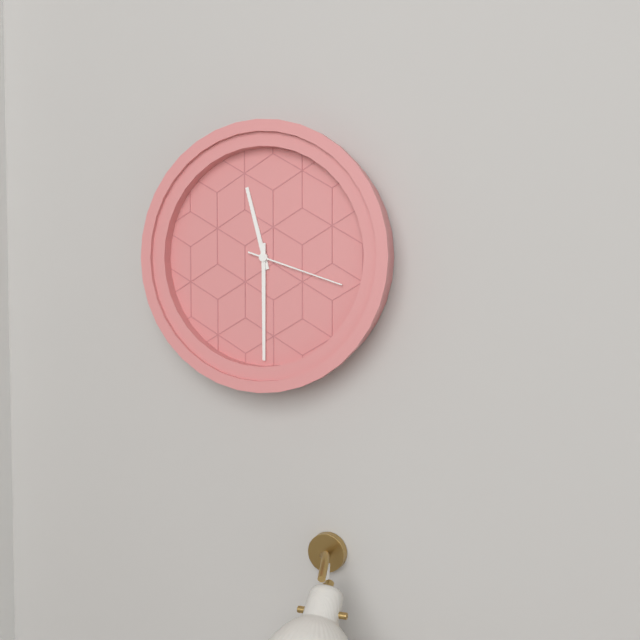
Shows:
11h30m18s
